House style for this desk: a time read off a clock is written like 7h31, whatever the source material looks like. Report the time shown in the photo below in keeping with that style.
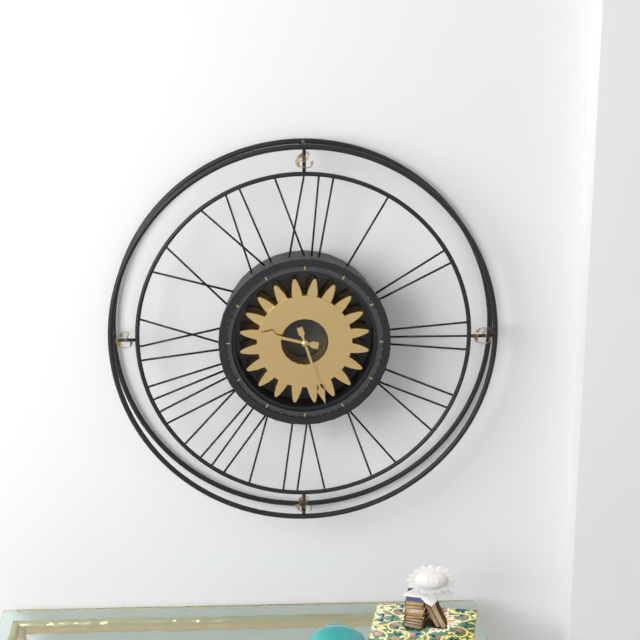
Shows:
9h27
